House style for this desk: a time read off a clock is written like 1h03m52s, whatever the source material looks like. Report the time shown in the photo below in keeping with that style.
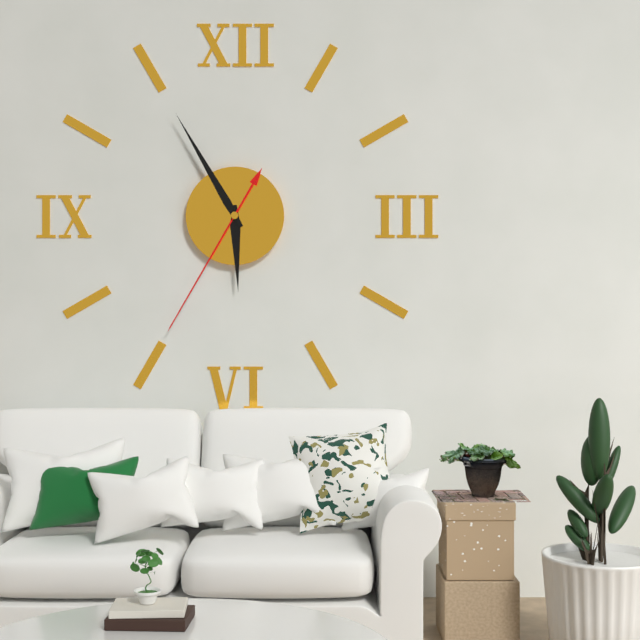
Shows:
5h55m35s
